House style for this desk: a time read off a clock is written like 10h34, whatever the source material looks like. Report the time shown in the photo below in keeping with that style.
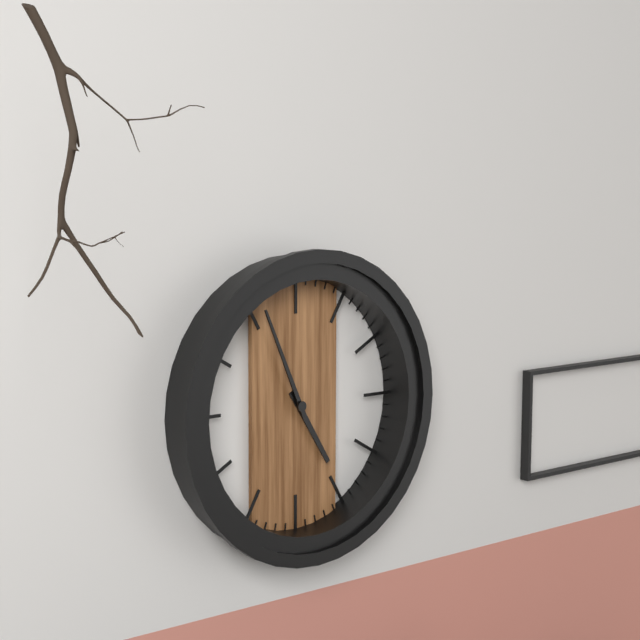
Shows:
4h56
